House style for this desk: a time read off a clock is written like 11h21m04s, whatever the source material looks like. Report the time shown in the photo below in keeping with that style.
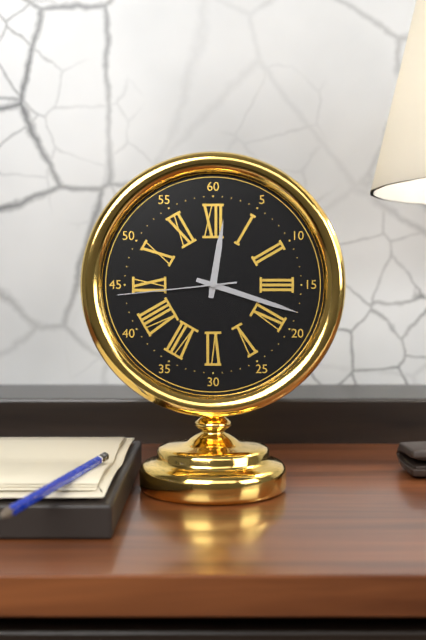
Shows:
12h18m44s
